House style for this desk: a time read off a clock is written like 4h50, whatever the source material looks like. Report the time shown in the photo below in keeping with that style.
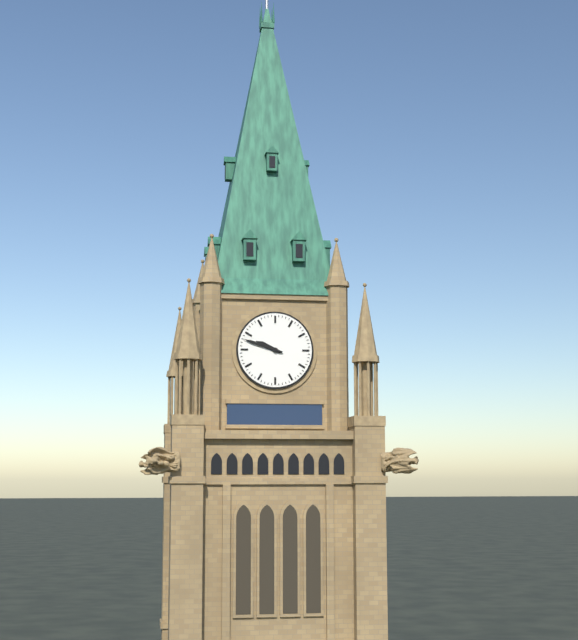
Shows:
9h48
